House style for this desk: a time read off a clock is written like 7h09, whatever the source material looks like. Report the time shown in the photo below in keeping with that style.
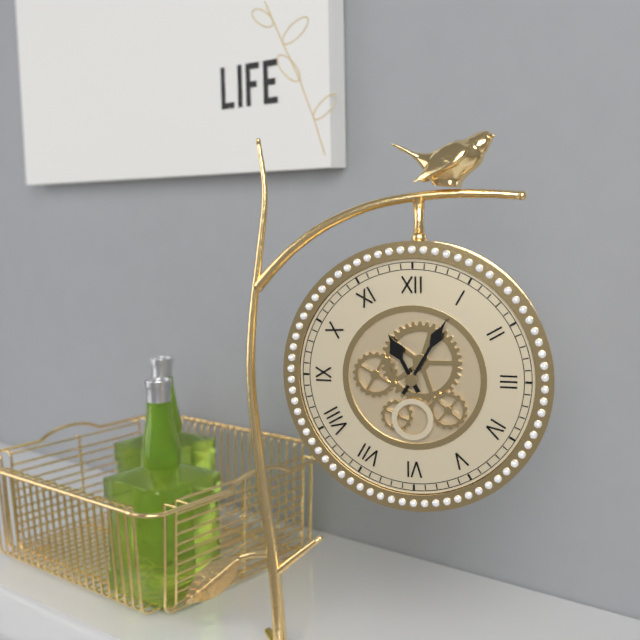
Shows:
11h05
